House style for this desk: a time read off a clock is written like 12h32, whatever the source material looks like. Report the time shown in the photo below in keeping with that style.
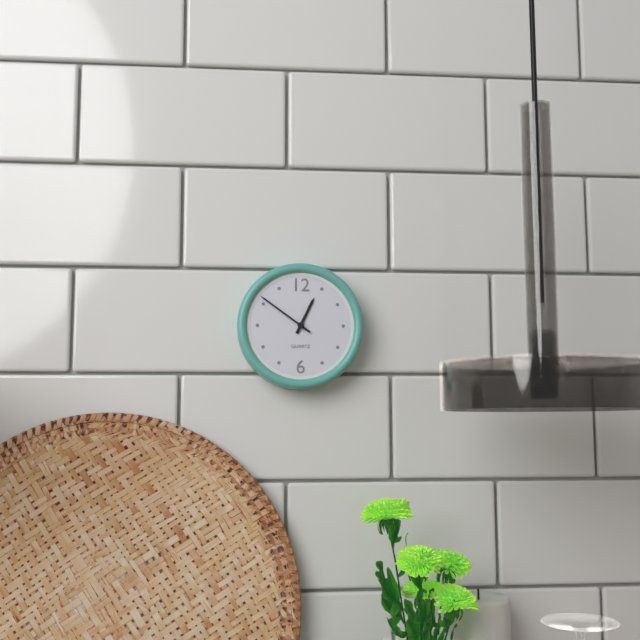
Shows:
12h51
